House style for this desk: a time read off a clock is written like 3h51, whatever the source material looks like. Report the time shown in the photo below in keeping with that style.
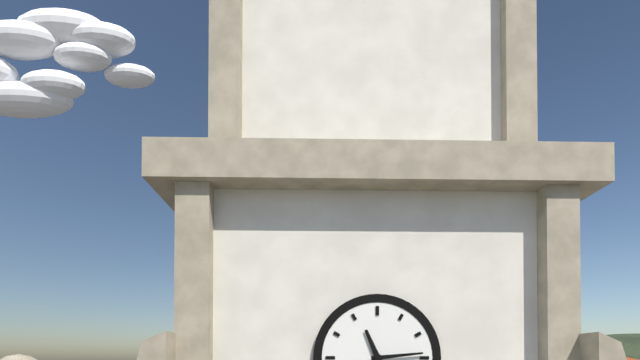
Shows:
11h14
